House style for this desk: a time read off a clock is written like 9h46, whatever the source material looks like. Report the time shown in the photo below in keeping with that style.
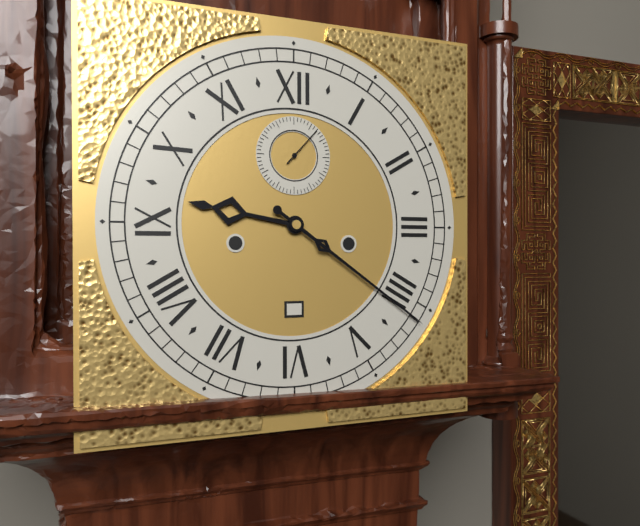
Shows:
9h21
